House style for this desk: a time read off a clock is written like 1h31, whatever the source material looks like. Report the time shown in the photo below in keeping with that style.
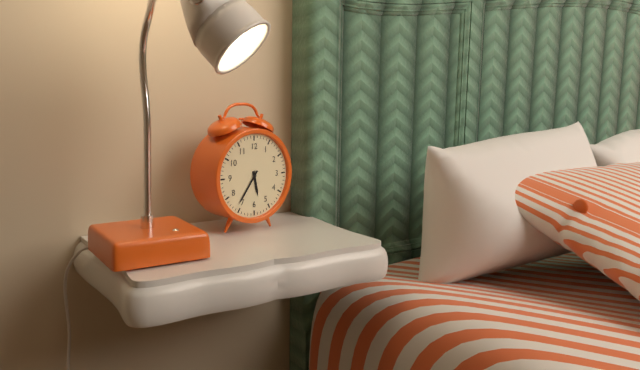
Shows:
5h36
